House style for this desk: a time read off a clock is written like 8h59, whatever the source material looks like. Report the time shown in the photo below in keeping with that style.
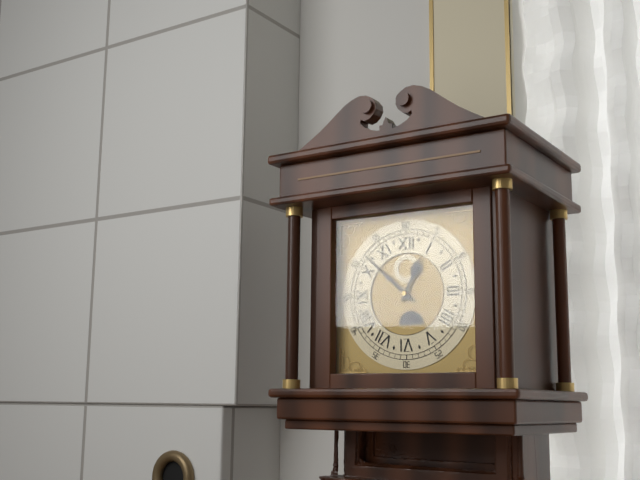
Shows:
12h52
